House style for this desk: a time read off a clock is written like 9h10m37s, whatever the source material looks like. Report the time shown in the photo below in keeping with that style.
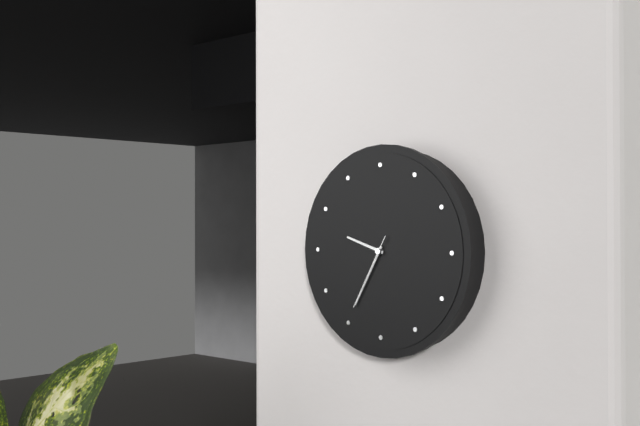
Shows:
9h35m35s
